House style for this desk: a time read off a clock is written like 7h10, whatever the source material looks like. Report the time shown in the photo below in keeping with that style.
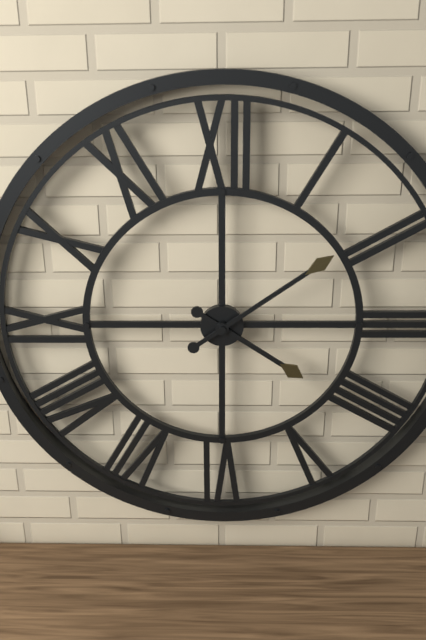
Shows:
4h09
